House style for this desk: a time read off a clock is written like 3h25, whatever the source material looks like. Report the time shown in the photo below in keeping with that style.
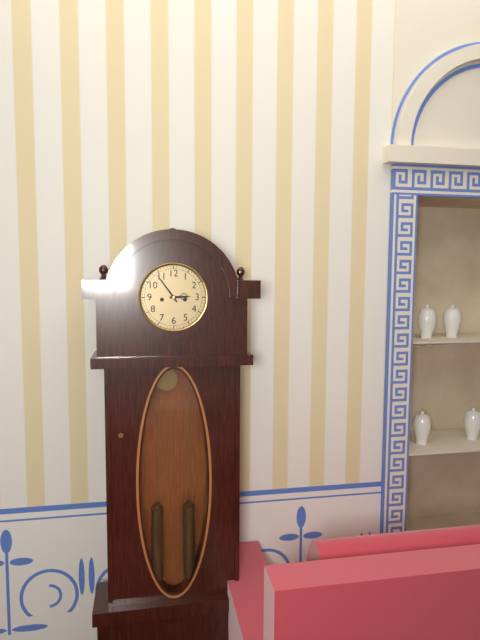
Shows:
2h54
